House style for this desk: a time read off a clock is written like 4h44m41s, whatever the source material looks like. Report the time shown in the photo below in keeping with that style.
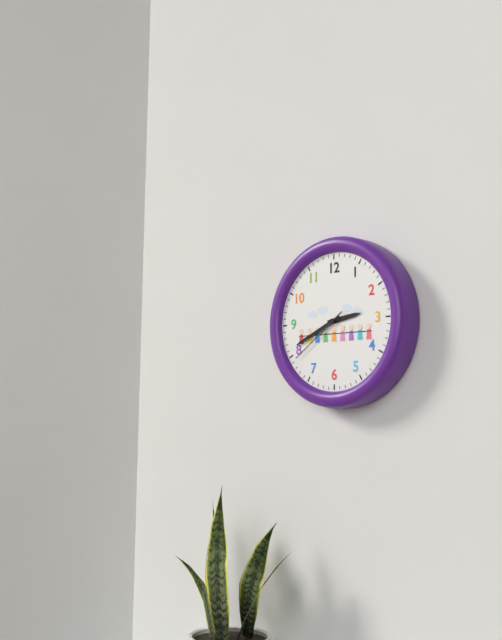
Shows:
2h41m39s
